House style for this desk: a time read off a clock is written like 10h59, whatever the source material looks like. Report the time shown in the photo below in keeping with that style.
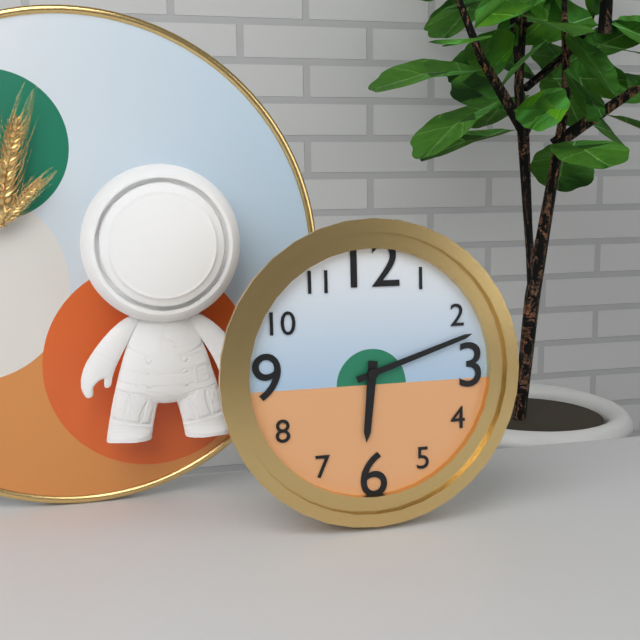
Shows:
6h12
